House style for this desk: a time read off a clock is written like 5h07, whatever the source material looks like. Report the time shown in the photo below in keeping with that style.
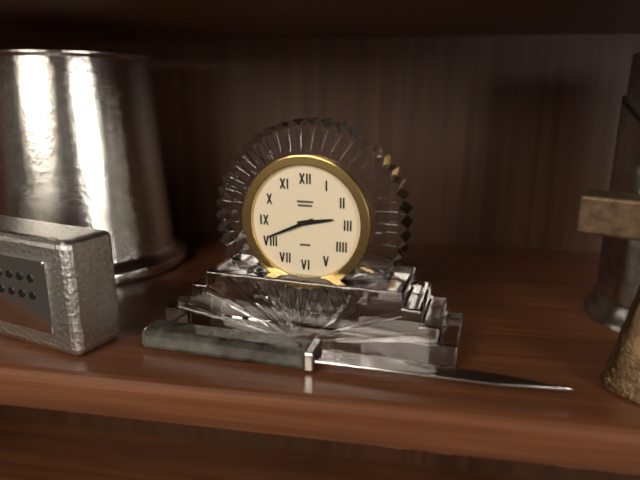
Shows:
2h41
